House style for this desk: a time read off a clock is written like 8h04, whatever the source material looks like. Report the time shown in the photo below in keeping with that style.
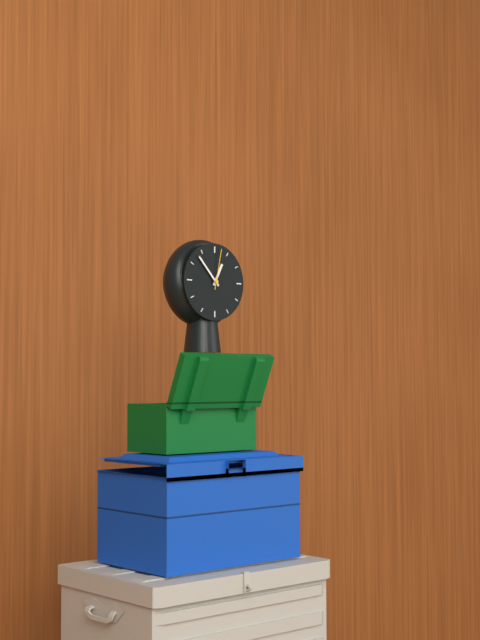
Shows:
12h53
